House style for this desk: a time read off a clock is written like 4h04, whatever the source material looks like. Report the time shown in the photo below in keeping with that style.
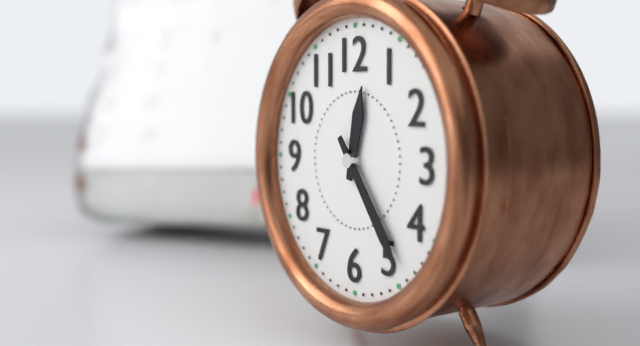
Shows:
12h24
